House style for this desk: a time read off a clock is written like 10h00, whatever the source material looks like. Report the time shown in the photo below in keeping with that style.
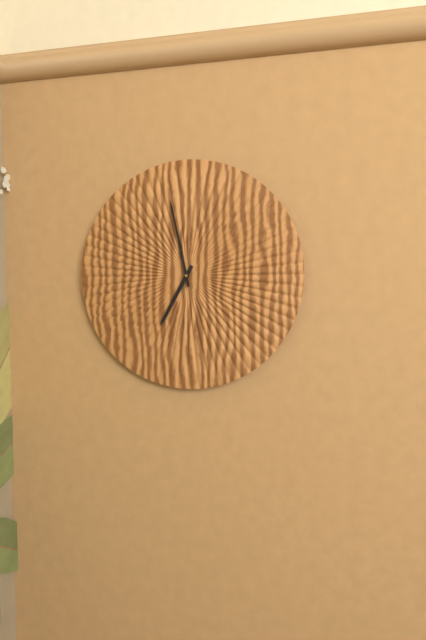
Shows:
6h58
